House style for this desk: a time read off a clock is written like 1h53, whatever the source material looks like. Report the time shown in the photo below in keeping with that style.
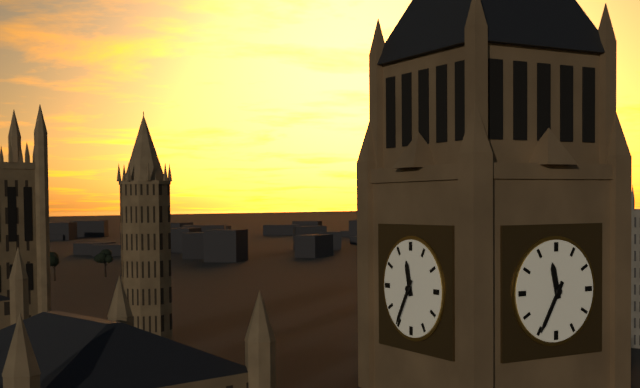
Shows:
11h35
